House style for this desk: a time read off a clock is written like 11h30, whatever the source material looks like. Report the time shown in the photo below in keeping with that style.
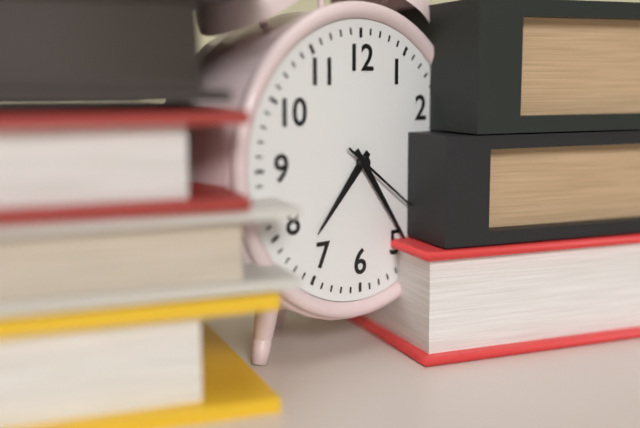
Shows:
7h24
